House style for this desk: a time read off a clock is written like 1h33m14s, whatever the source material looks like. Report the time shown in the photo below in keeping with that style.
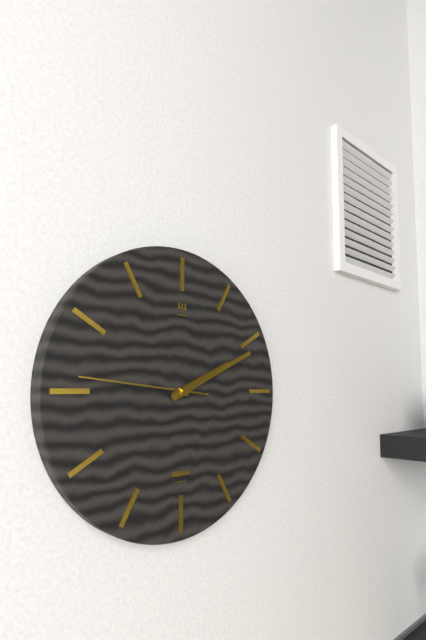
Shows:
2h11m46s
